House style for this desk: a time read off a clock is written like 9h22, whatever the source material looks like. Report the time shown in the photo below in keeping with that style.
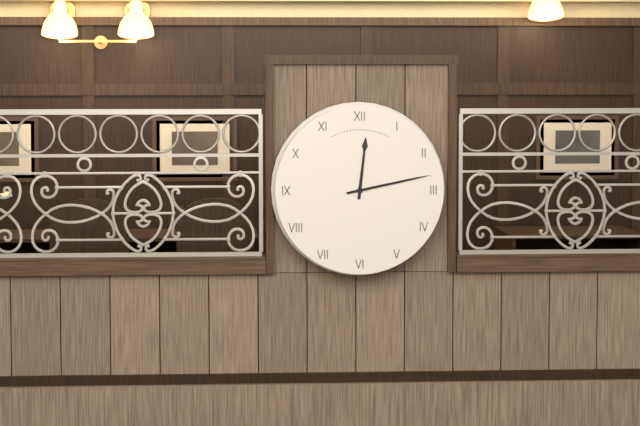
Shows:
12h13
